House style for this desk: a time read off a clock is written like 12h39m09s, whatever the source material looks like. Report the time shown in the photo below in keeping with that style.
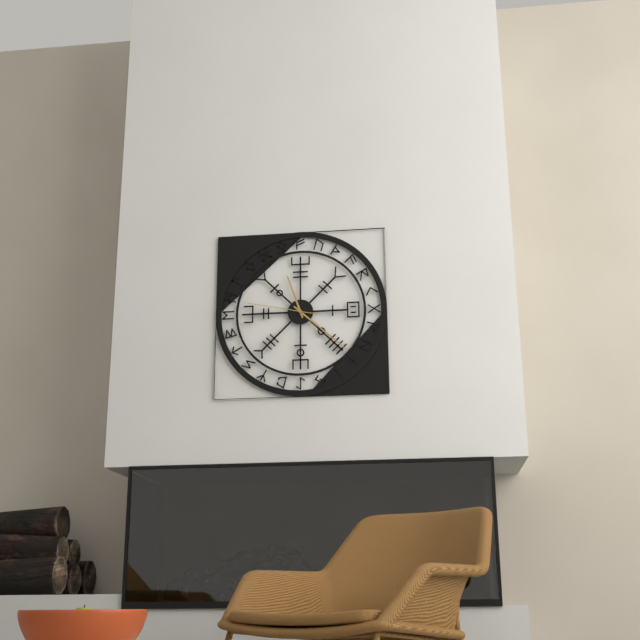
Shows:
11h22m47s
